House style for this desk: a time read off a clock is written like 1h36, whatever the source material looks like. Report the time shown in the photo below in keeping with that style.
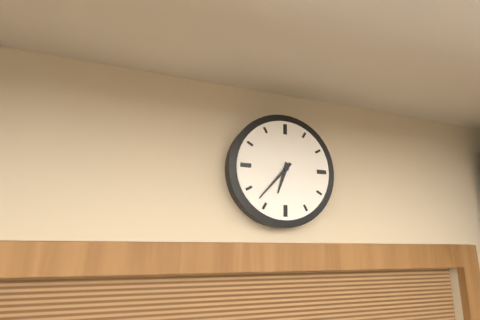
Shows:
6h37
